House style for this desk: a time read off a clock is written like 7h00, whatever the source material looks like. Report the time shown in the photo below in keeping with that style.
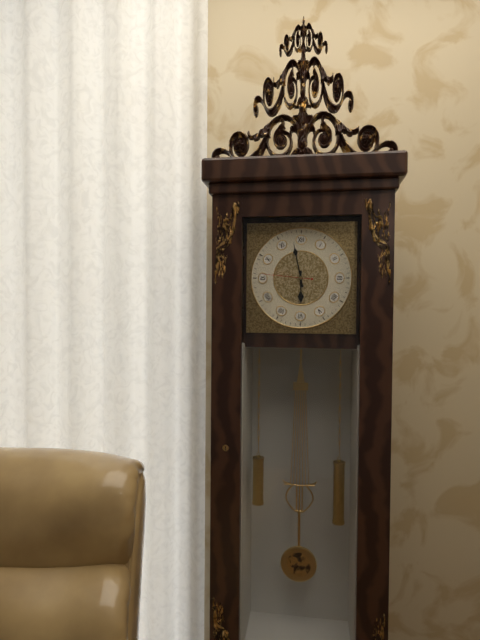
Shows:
5h58
